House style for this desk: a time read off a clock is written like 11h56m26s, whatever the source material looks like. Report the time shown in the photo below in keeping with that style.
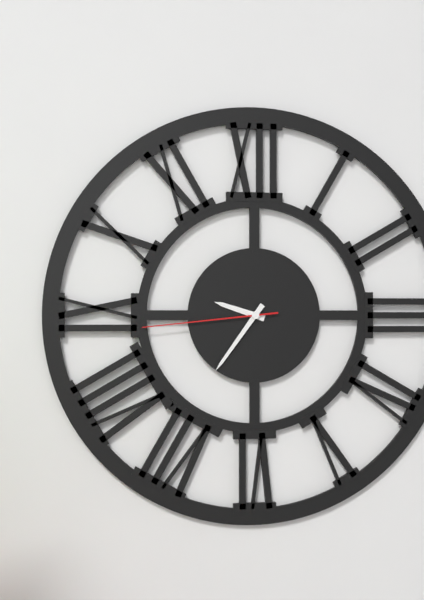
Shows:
9h36m44s
